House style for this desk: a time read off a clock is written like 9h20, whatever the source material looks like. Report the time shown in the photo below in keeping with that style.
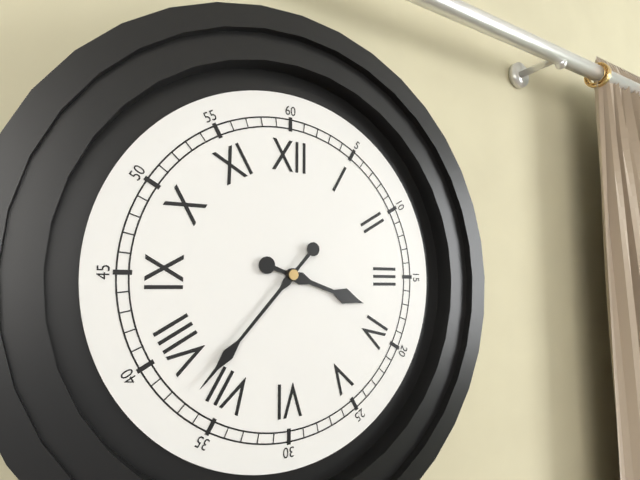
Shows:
3h37
